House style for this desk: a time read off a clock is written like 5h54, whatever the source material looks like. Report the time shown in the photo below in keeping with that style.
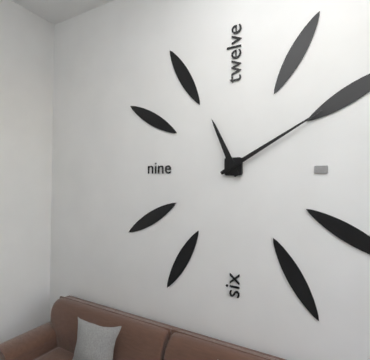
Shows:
11h10
